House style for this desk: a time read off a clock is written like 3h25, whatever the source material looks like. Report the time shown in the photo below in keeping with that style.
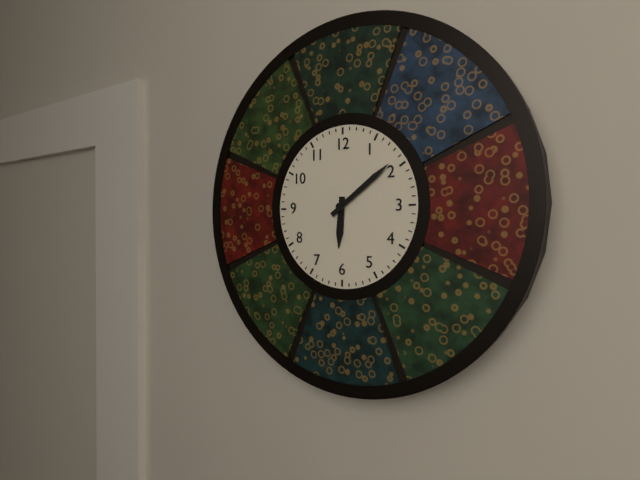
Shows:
6h09
